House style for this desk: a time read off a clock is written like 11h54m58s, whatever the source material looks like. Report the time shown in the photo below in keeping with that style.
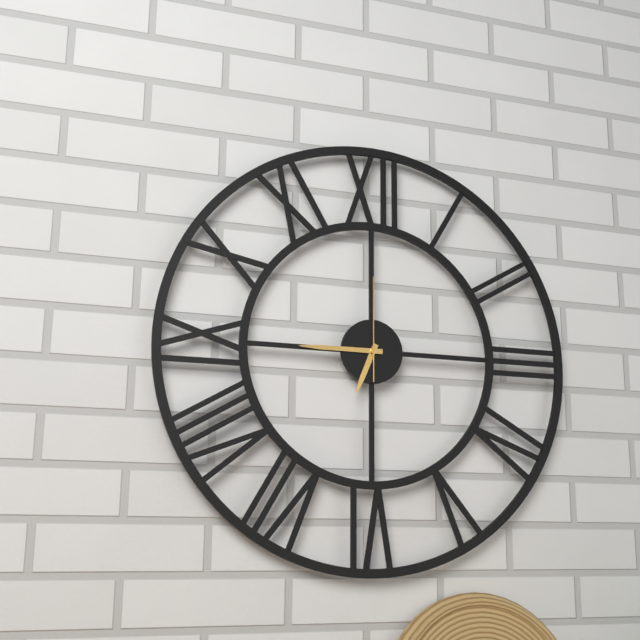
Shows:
6h45m00s
